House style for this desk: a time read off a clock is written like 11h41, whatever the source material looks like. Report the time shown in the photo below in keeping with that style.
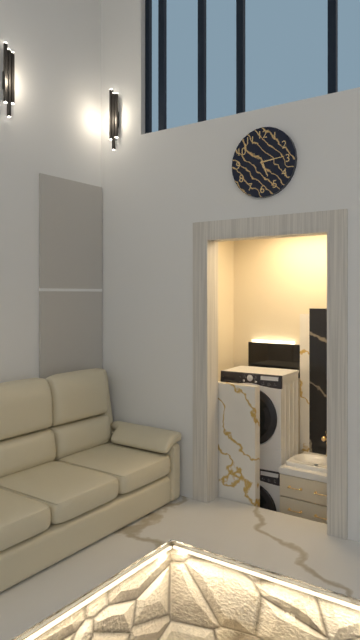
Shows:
5h14
